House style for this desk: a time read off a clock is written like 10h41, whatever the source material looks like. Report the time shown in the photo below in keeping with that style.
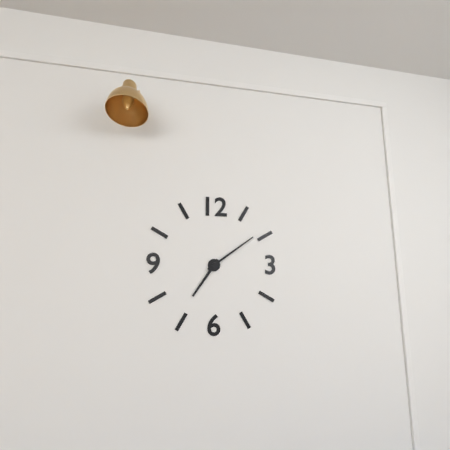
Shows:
7h09
